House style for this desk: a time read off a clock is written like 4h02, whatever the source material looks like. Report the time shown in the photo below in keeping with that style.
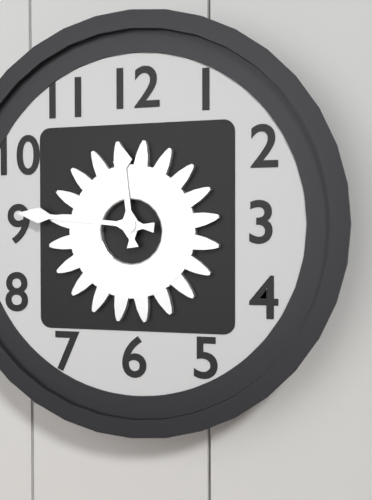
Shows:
11h46
